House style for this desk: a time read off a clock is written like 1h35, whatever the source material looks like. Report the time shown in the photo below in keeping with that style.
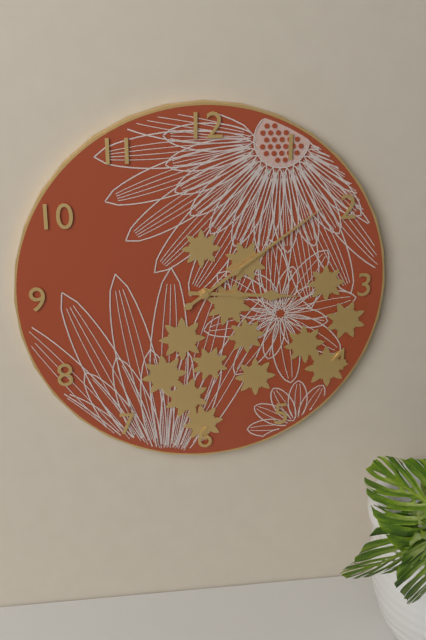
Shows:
3h09
